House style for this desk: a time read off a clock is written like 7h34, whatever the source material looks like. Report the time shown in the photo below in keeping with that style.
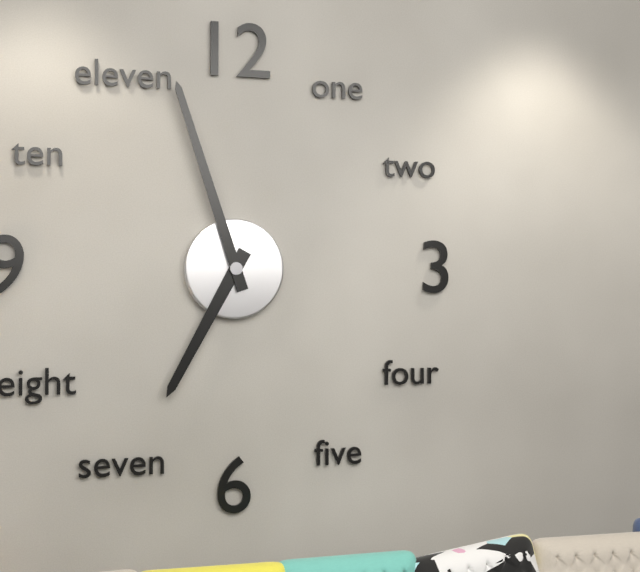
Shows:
6h57
